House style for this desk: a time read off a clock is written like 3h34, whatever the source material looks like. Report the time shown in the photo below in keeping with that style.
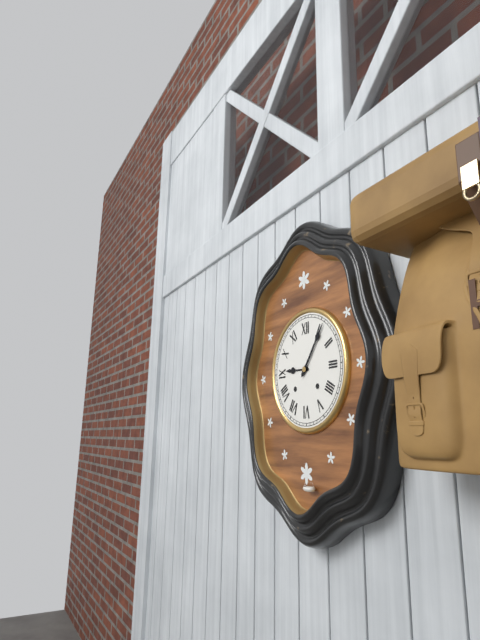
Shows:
9h06
